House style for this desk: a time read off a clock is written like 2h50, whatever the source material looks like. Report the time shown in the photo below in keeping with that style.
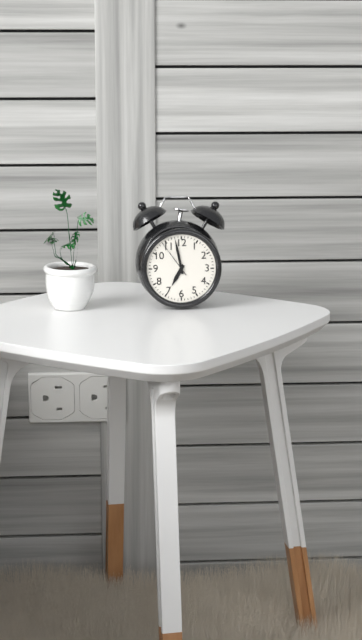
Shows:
6h58
